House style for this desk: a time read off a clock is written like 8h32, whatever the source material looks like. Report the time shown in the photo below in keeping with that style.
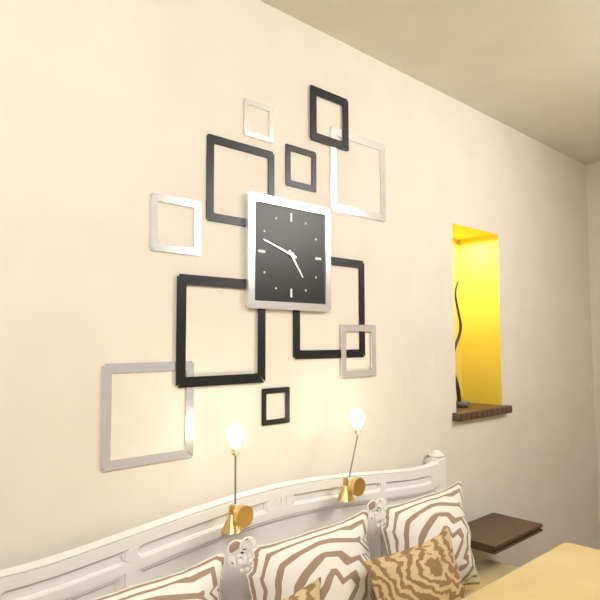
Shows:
4h48
